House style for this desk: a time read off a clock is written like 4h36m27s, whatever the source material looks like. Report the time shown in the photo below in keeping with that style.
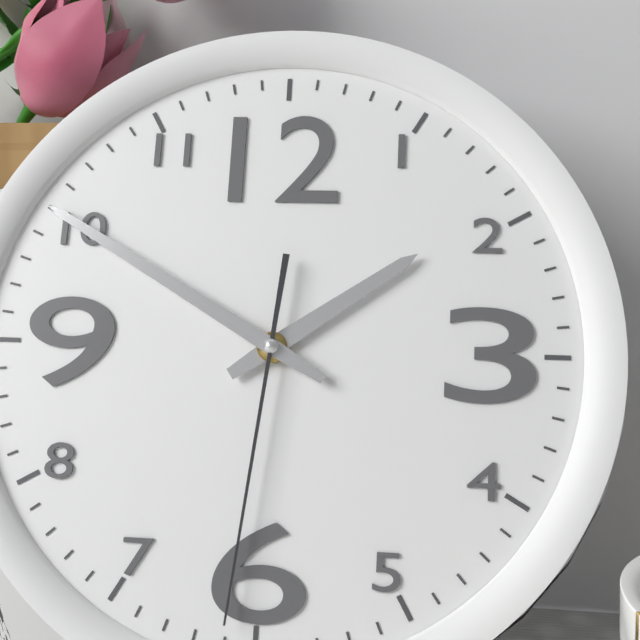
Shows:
1h50m31s
